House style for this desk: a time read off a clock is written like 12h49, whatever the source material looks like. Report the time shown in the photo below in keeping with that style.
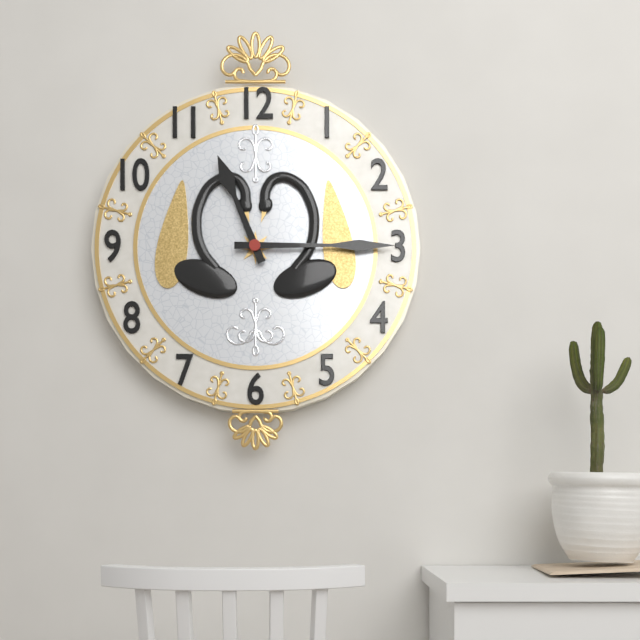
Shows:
11h15
